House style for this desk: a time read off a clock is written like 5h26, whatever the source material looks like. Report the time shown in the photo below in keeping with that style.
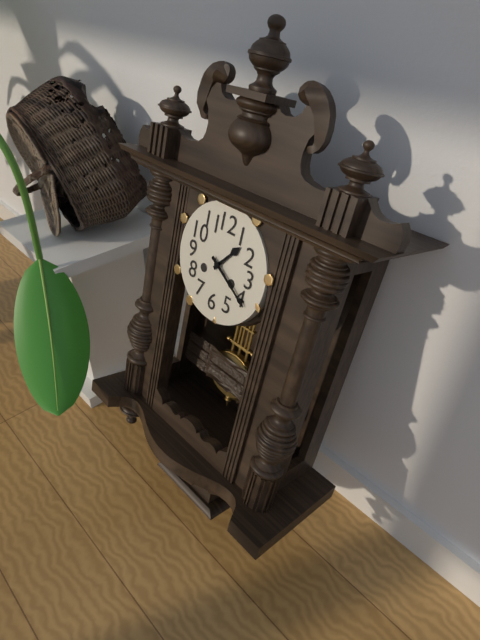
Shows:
1h20
